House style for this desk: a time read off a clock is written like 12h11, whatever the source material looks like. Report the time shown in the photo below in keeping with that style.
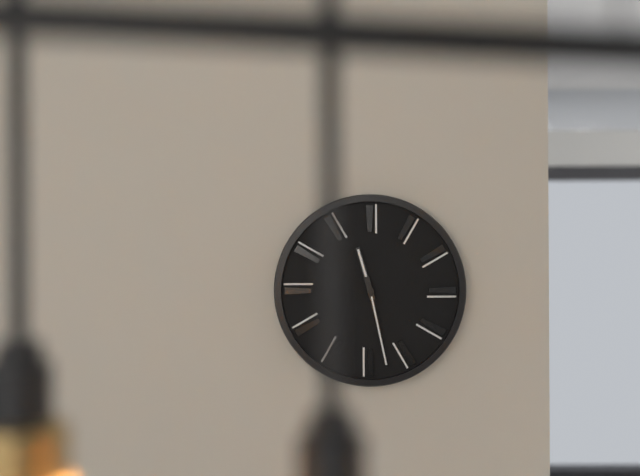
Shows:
11h28
